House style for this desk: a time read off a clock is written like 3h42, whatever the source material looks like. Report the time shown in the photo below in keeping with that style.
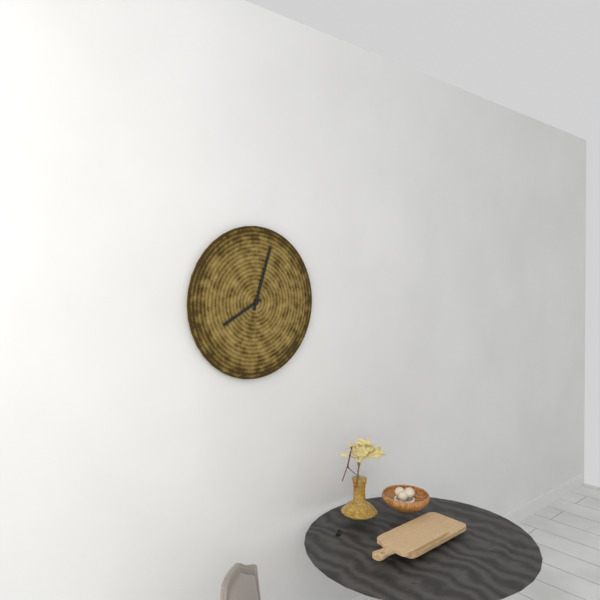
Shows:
8h03
